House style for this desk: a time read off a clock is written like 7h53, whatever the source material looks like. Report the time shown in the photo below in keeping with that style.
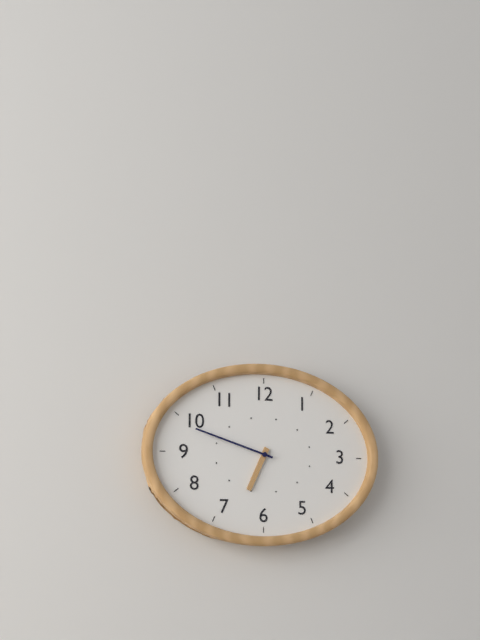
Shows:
6h48
